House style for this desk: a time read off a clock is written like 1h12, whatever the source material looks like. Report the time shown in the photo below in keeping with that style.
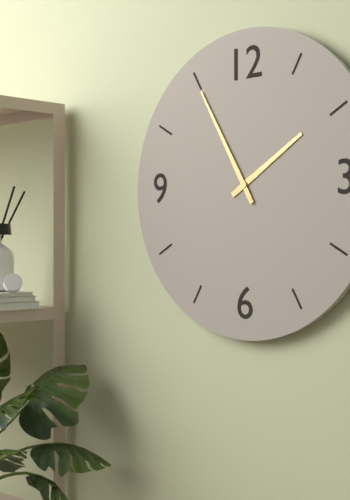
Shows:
1h55
